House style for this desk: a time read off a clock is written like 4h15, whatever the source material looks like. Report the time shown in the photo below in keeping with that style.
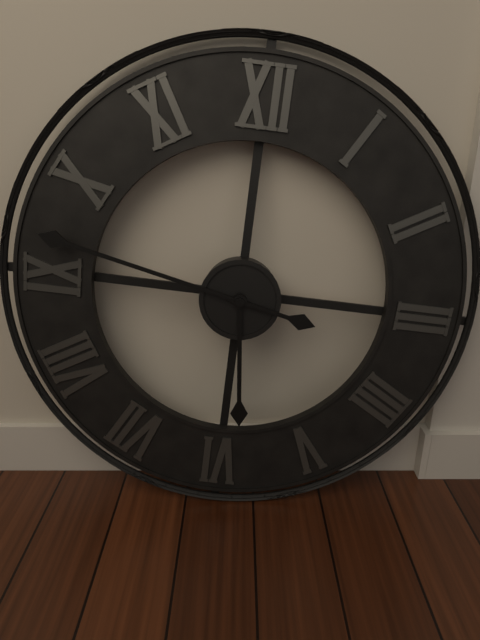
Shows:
5h47
